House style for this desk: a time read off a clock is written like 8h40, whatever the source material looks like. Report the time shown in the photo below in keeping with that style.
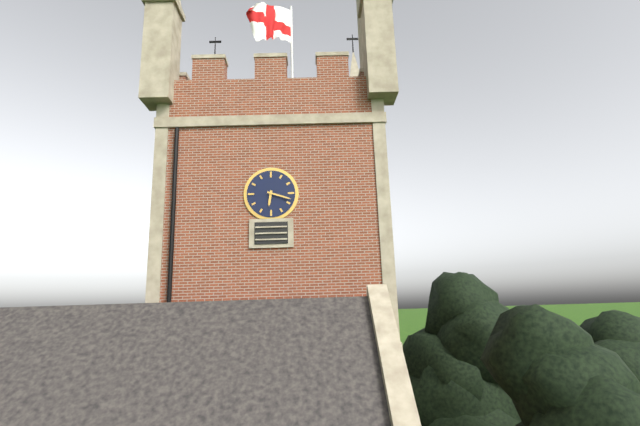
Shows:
6h18
